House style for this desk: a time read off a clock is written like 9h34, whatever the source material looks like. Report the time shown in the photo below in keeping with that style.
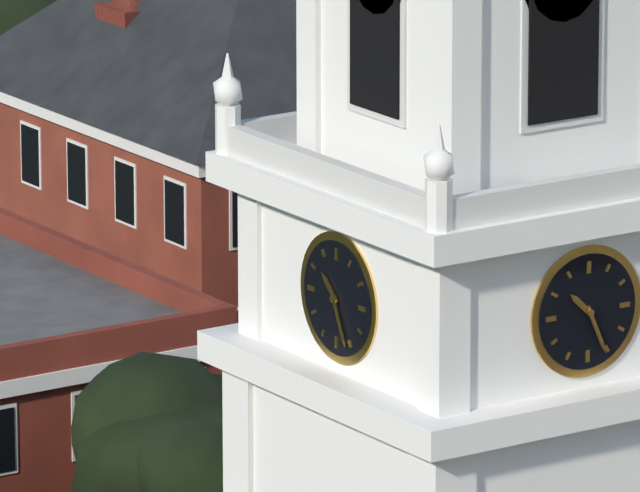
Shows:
10h26
